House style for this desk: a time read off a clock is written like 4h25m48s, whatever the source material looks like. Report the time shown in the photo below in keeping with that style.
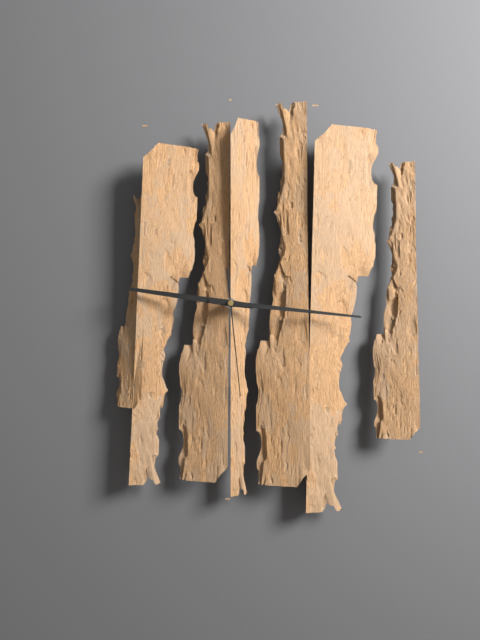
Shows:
9h16m29s
